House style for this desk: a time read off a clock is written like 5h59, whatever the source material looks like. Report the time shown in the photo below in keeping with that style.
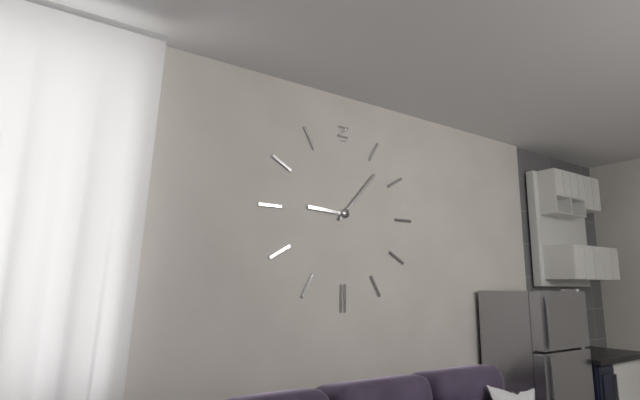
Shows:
9h07
